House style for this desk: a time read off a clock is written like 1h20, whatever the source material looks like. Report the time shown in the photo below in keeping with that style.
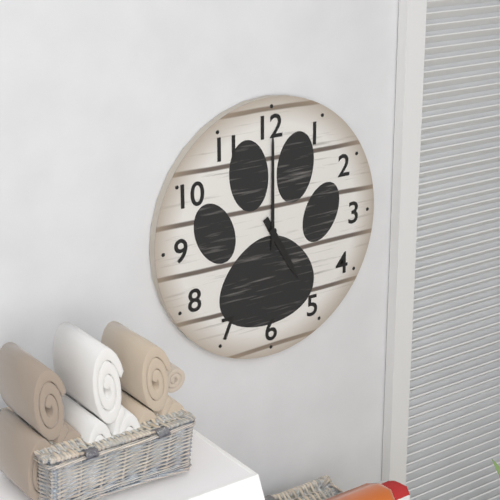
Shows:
5h00
